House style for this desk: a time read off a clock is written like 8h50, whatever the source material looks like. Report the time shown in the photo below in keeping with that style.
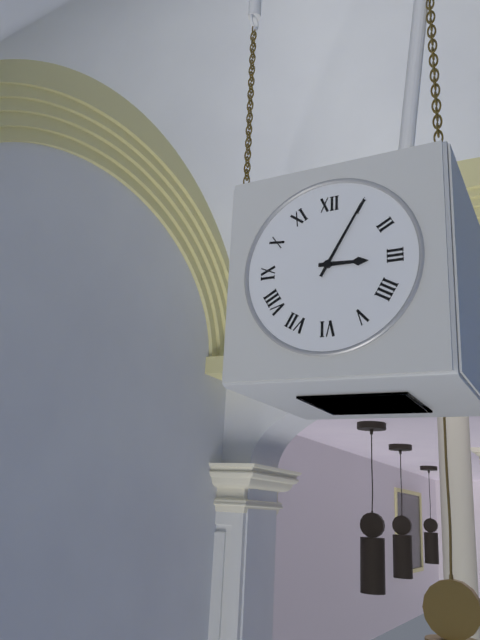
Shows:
3h05
